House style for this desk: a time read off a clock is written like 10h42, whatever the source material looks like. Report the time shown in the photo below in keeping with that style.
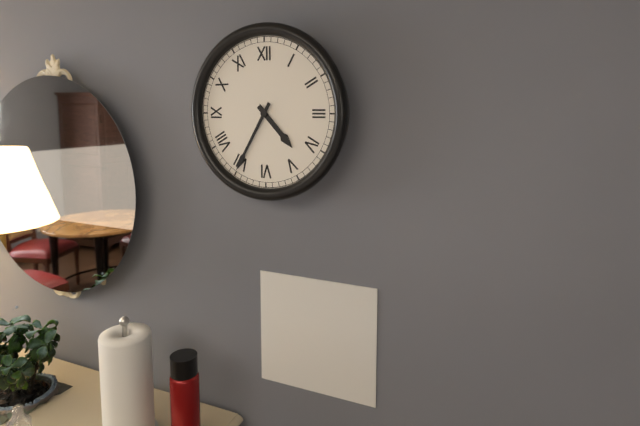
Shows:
4h35
